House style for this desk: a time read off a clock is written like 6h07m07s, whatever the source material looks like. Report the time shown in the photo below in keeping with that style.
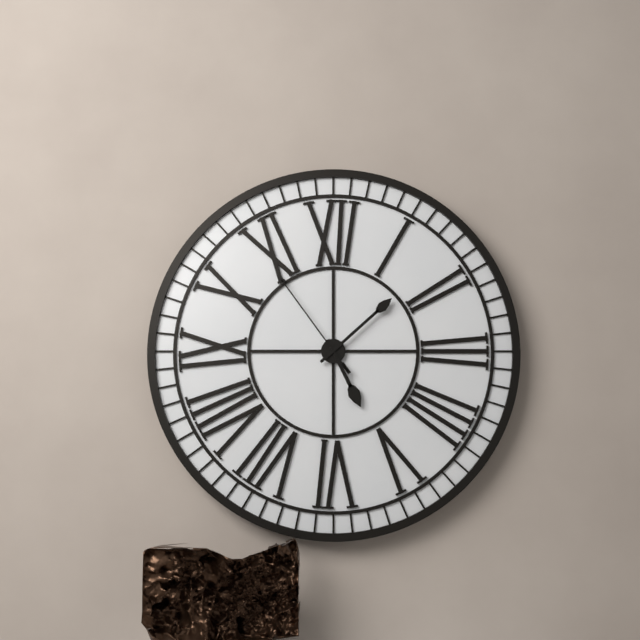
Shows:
5h08m54s
